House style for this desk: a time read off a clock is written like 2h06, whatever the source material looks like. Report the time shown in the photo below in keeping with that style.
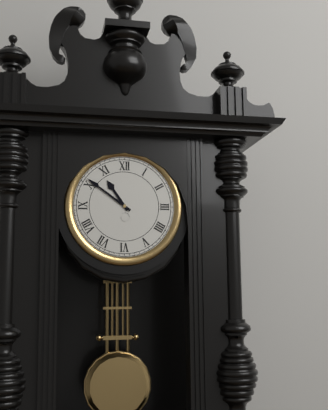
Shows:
10h51
